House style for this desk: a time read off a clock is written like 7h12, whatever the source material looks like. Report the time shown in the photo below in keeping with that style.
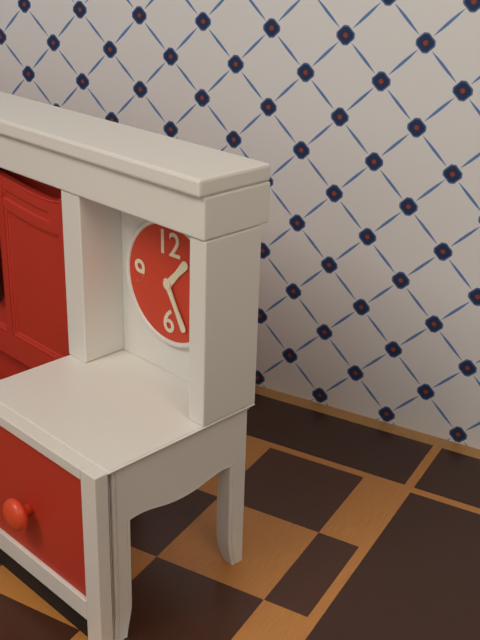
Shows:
1h25
